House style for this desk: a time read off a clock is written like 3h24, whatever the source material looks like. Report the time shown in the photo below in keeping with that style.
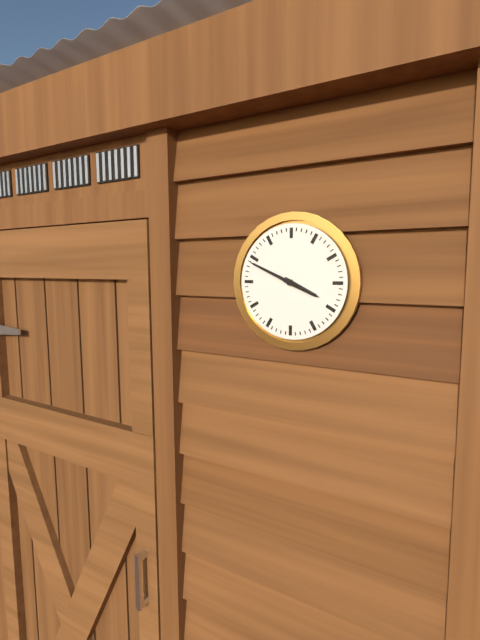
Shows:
3h49
